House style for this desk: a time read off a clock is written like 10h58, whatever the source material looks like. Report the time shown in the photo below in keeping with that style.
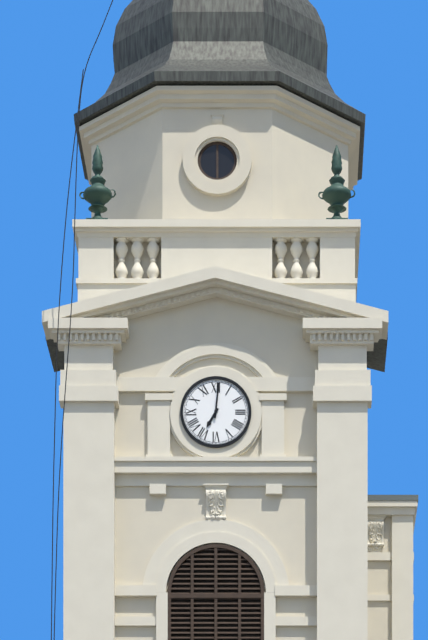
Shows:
7h01
